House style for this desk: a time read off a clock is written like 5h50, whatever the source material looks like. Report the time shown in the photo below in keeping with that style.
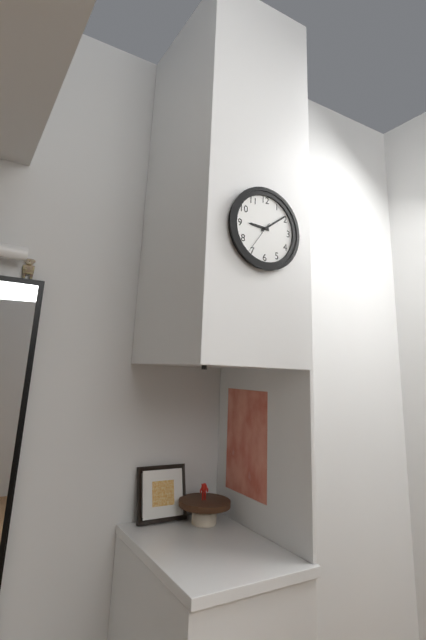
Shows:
9h09
